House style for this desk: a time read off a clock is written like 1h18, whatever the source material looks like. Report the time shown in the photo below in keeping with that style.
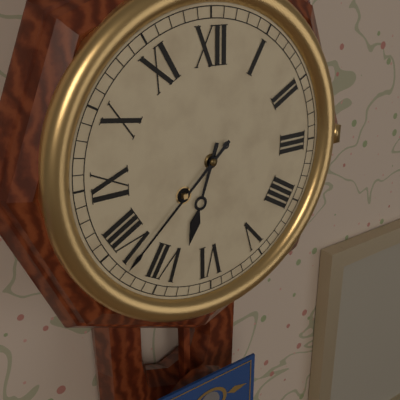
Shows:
6h38
